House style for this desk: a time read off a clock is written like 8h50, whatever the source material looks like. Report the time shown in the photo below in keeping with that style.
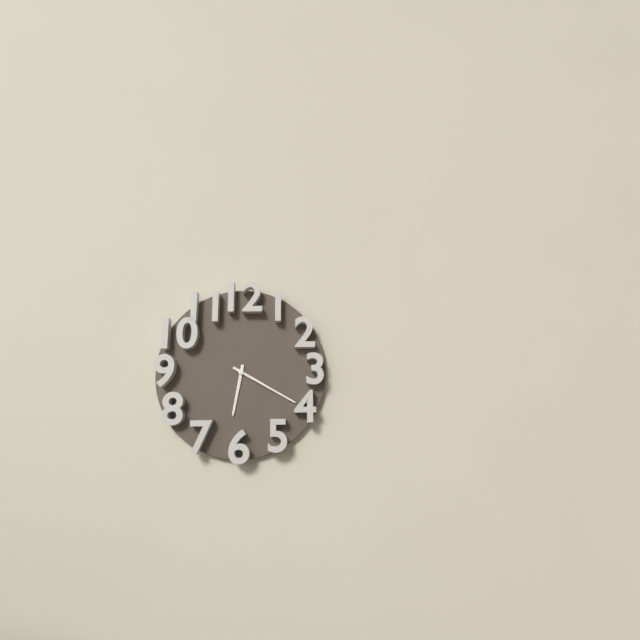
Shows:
6h20
